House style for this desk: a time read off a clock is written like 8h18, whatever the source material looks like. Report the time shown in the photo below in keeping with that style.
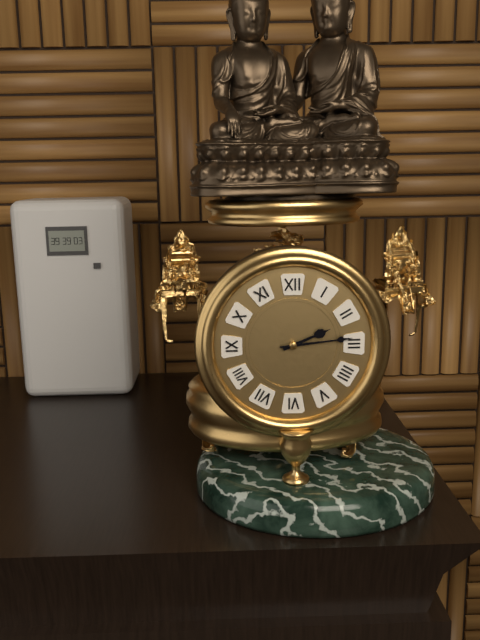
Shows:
2h14
